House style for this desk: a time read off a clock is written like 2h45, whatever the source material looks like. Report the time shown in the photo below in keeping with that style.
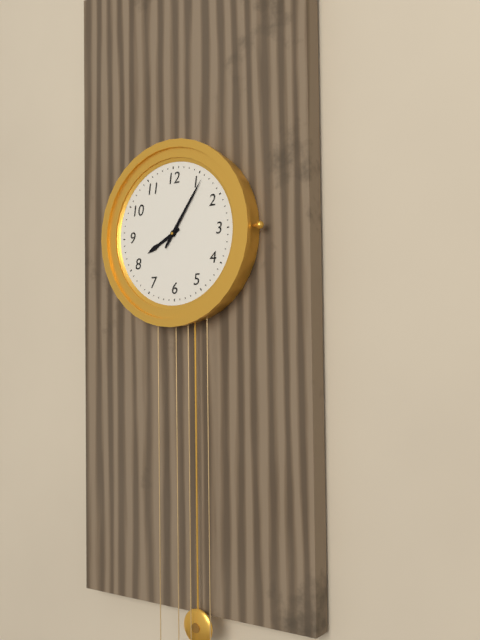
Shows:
8h06
